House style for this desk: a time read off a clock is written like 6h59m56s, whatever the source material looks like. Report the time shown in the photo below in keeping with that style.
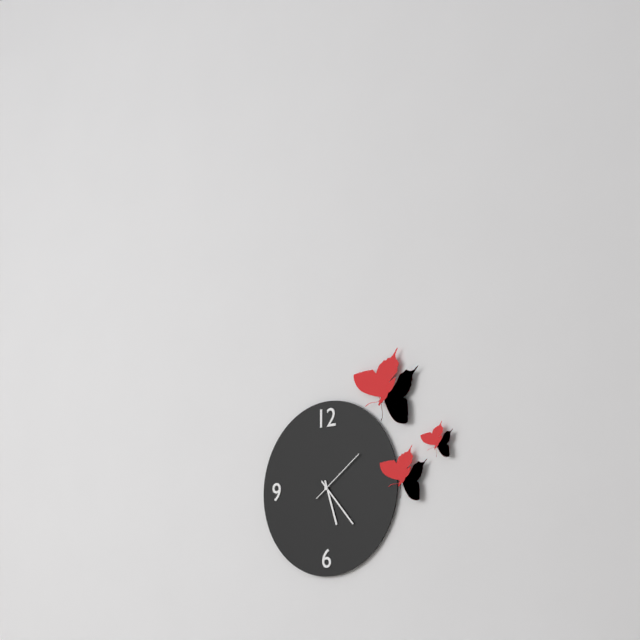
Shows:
5h23m09s
